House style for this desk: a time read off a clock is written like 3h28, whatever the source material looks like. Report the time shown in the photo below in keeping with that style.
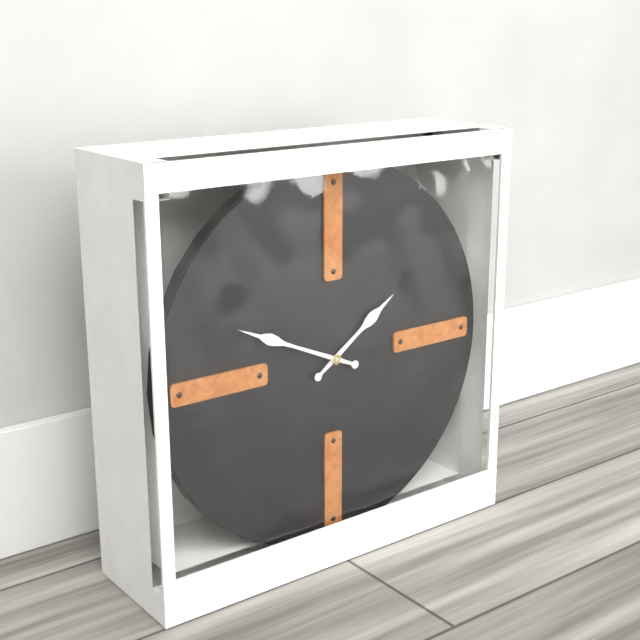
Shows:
1h49
